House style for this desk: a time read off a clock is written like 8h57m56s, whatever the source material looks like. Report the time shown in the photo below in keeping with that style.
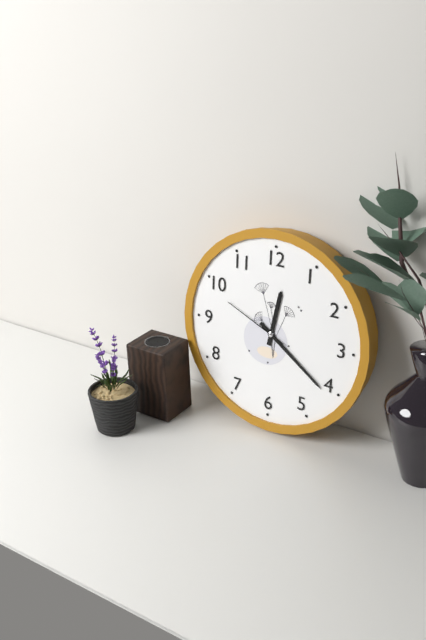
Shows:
12h21m49s
